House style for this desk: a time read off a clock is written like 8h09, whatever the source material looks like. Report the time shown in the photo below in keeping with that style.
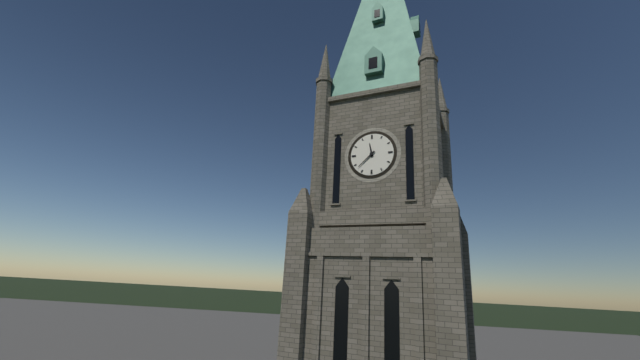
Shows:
11h38
